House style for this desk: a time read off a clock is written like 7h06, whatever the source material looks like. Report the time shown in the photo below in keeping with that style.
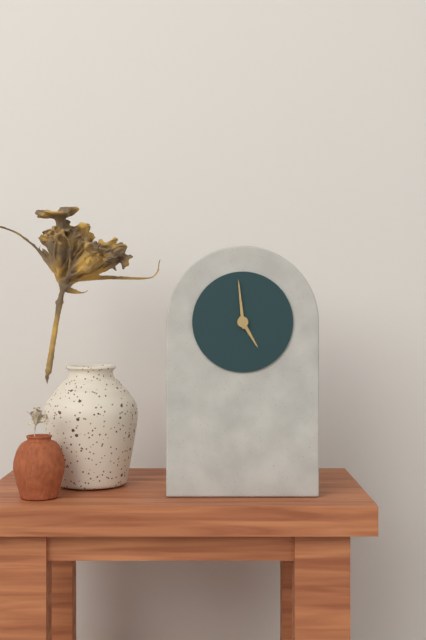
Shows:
4h59
